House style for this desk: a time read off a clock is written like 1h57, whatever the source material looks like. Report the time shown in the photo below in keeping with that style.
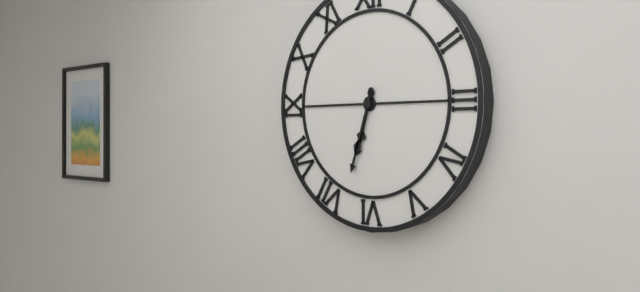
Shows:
6h33
